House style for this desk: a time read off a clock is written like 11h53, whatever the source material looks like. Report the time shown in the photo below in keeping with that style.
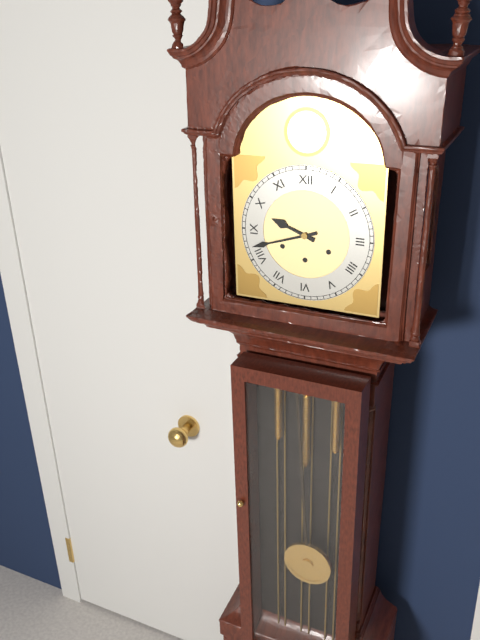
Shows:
9h42
